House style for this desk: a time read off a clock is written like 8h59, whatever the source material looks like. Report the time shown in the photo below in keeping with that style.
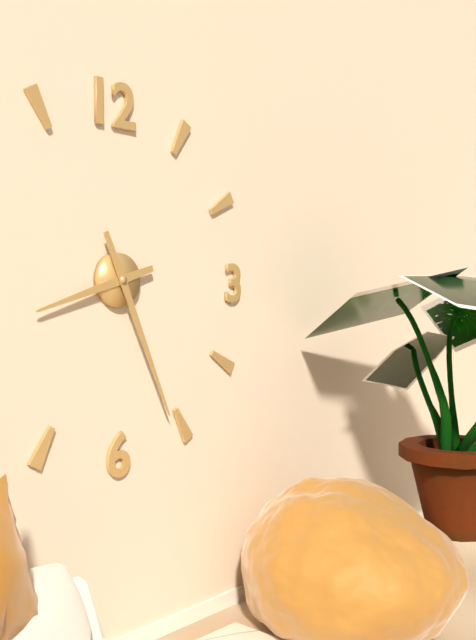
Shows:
8h26
